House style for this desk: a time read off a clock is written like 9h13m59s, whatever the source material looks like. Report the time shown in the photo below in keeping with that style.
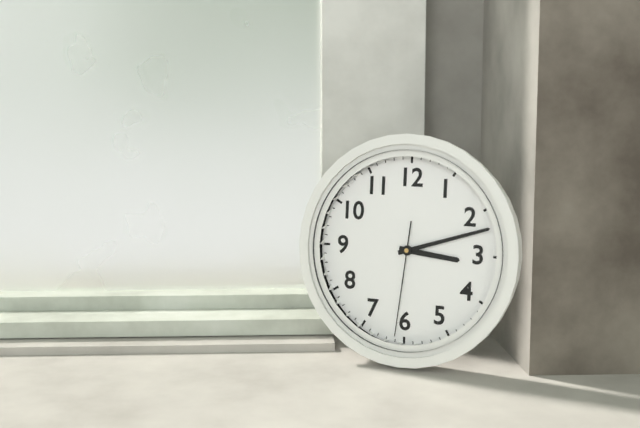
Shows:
3h12m31s
